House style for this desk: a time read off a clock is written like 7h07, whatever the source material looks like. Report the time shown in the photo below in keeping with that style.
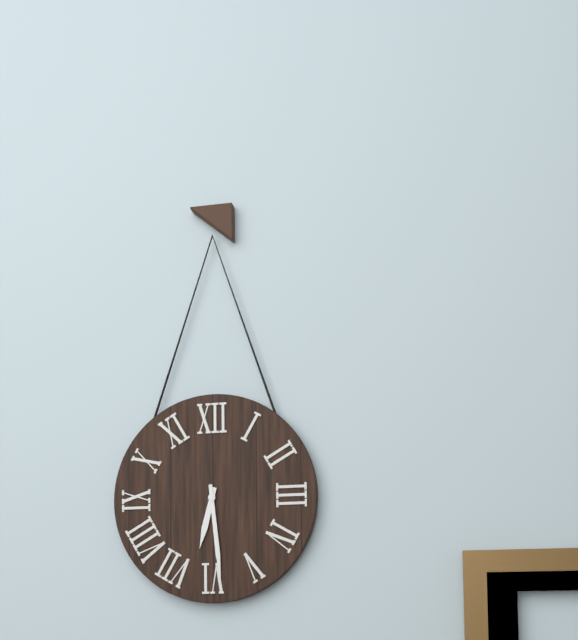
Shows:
6h29
